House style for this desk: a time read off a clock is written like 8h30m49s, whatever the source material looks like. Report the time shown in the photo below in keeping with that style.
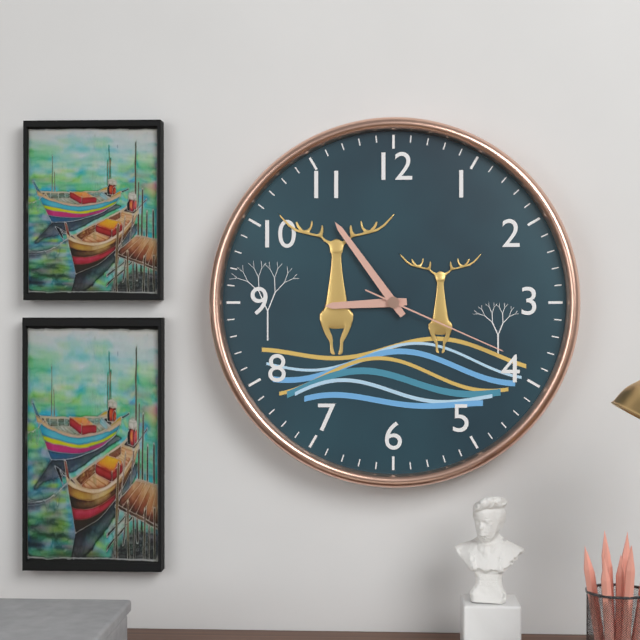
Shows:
8h54m19s
